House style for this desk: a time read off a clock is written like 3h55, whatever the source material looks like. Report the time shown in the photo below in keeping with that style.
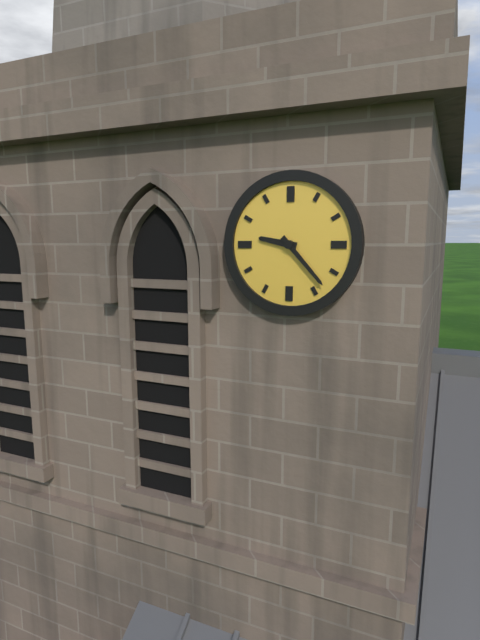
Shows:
9h23
